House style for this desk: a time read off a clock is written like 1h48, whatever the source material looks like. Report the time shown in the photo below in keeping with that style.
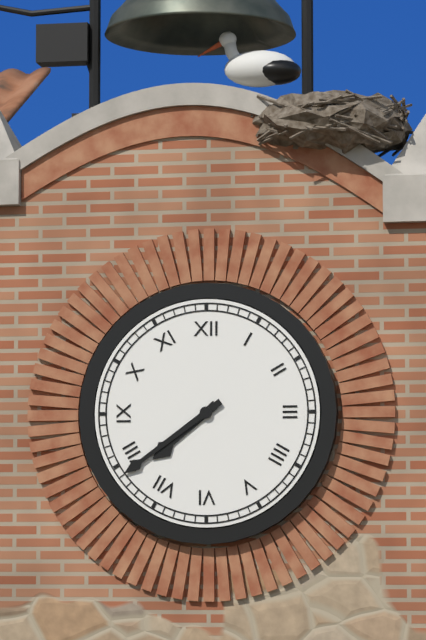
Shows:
7h39
